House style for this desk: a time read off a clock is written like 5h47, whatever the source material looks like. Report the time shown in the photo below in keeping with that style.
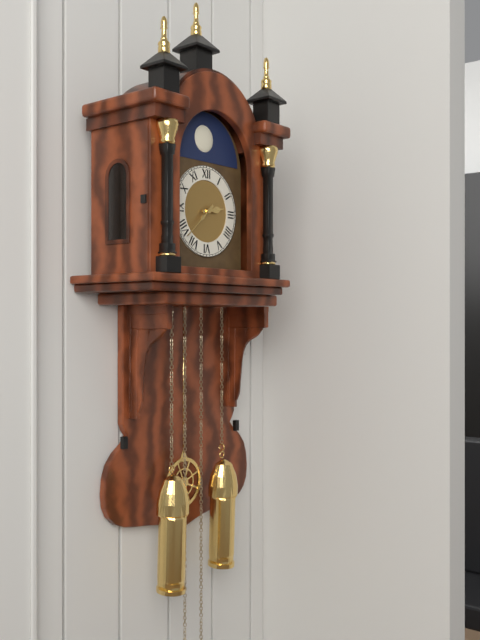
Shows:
2h38
